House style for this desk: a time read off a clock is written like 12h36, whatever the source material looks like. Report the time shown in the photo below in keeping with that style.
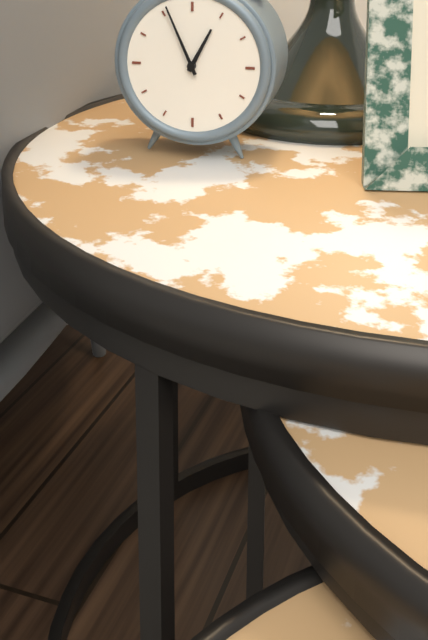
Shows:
12h56
